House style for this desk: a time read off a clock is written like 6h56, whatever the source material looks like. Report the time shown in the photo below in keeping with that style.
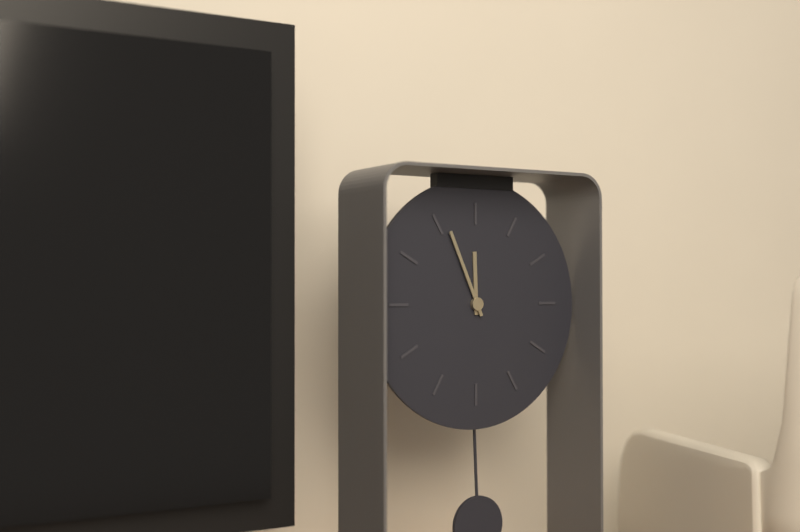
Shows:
11h56
